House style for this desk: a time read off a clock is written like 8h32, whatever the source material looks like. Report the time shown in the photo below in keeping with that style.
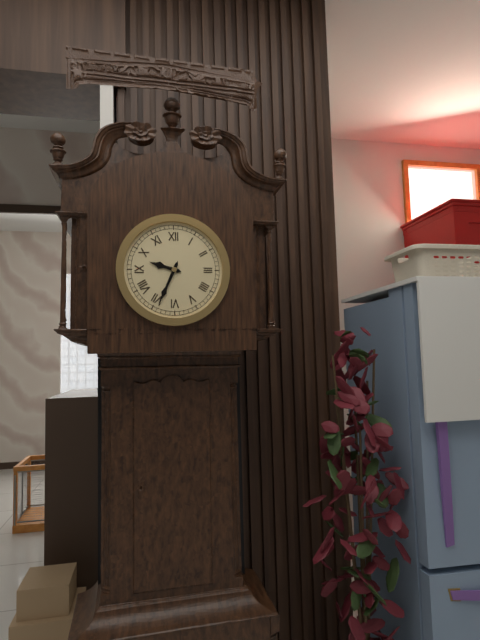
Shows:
9h34
